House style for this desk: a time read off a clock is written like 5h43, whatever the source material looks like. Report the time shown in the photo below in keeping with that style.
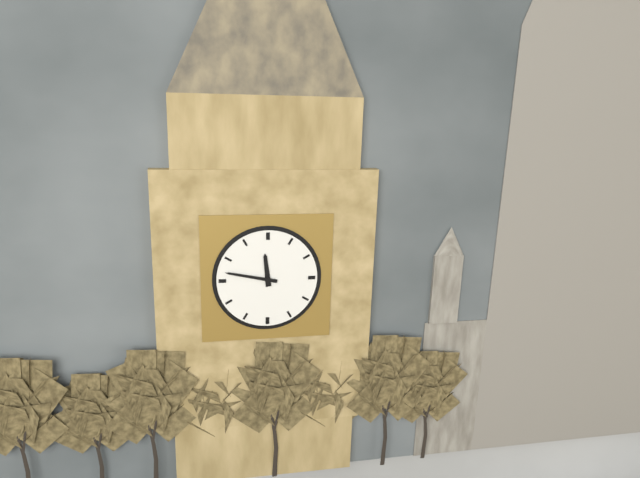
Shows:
11h47
